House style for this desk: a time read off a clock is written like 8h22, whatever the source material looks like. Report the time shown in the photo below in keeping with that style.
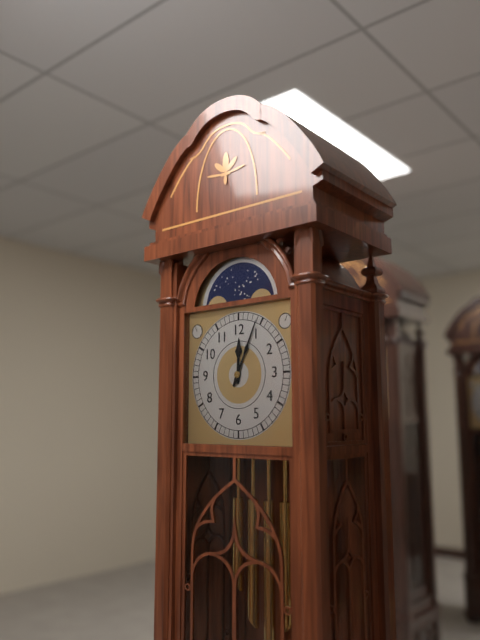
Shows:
12h04
